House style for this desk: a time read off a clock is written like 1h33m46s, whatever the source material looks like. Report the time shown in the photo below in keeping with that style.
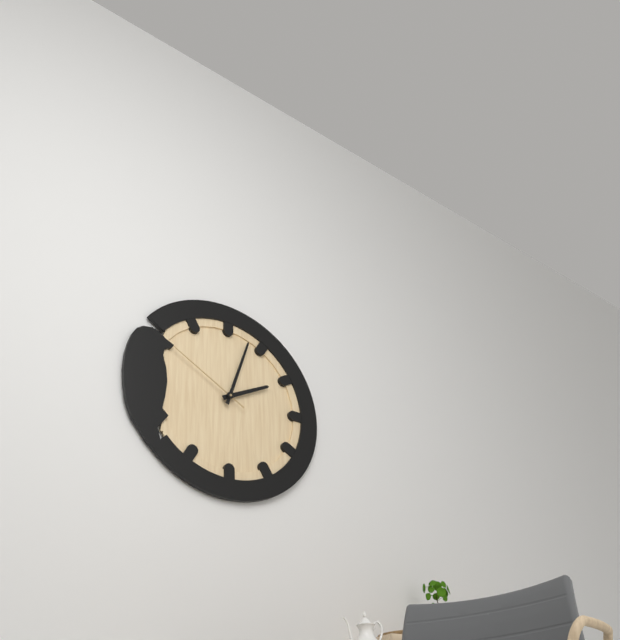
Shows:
2h03m50s
